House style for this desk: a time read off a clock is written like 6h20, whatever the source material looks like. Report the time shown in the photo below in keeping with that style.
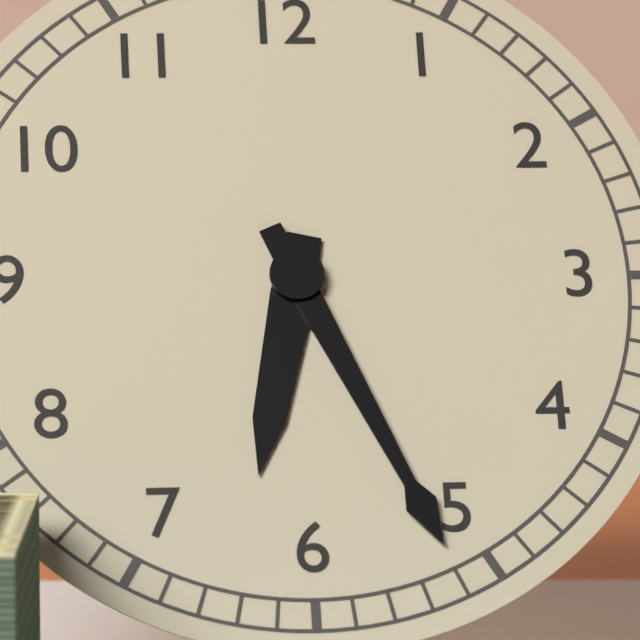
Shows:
6h26
